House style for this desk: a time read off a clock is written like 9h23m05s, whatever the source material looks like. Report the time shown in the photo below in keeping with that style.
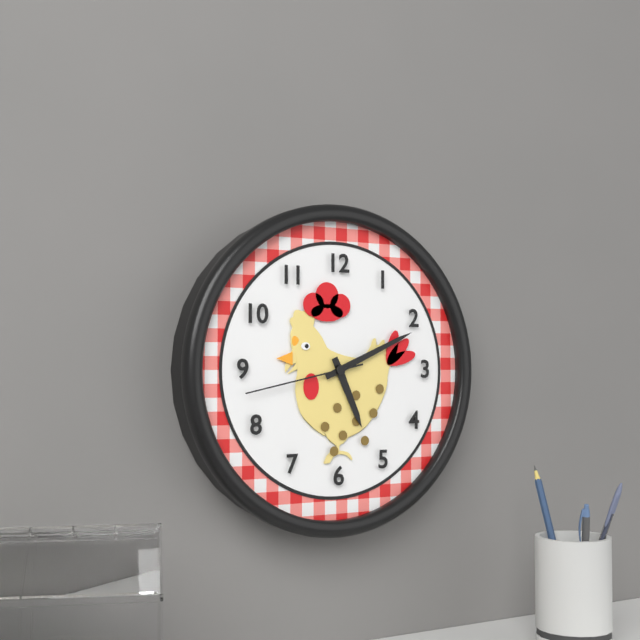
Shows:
5h11m43s
